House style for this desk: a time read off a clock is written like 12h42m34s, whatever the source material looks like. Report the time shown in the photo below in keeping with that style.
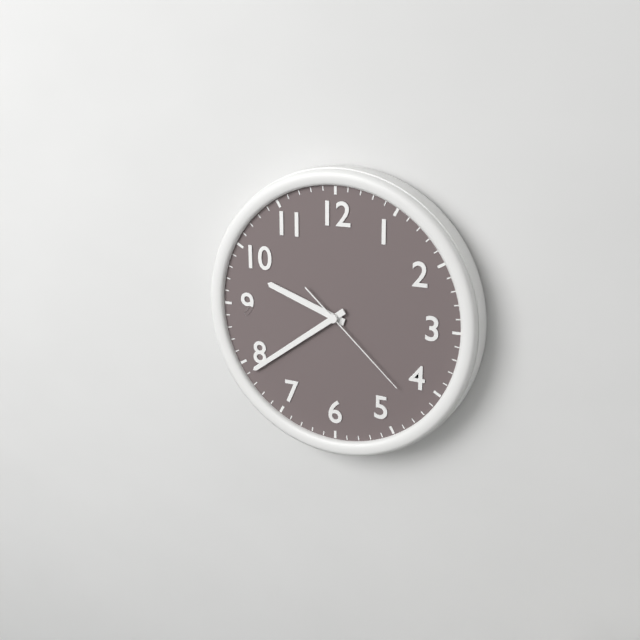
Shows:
9h39m22s
